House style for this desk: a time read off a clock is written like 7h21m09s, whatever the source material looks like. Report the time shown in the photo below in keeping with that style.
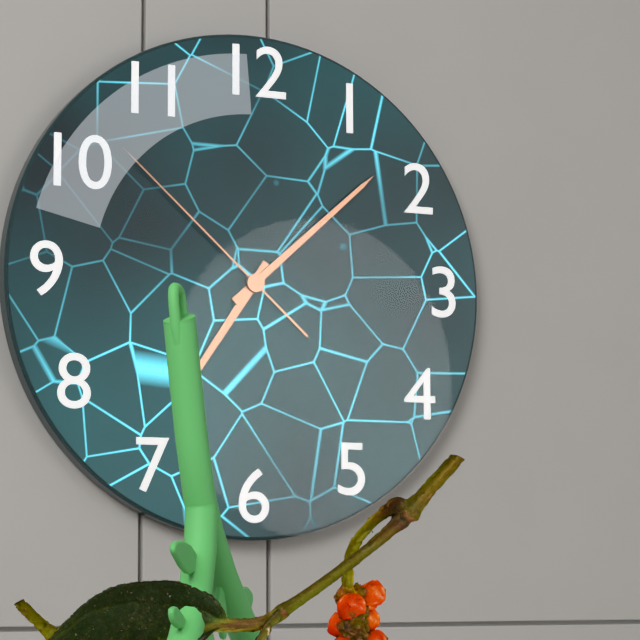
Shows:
7h08m52s
